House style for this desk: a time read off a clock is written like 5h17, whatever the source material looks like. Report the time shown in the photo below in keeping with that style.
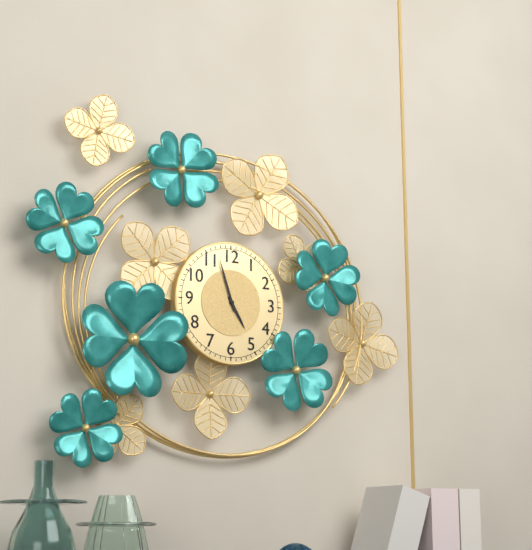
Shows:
4h57
